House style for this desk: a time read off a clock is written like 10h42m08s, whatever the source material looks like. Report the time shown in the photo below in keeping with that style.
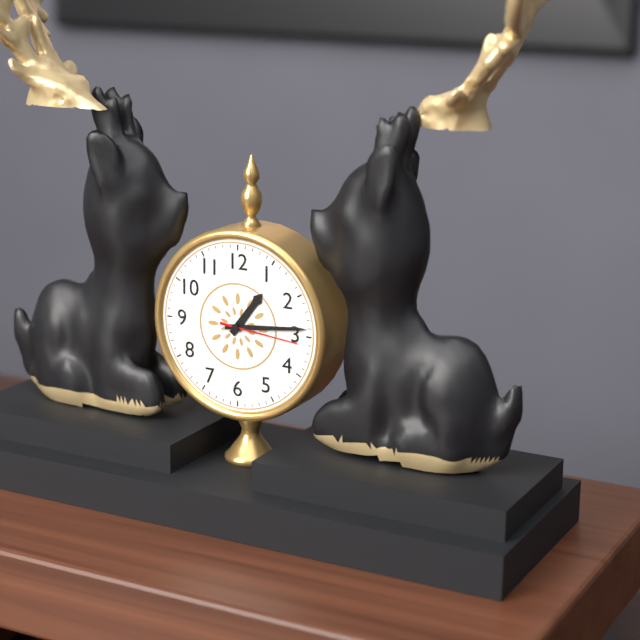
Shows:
1h14m16s
